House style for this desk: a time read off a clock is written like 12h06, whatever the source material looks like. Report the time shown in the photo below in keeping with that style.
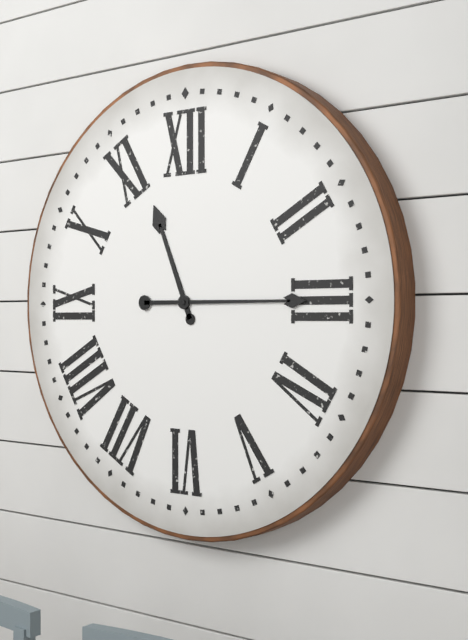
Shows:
11h15
